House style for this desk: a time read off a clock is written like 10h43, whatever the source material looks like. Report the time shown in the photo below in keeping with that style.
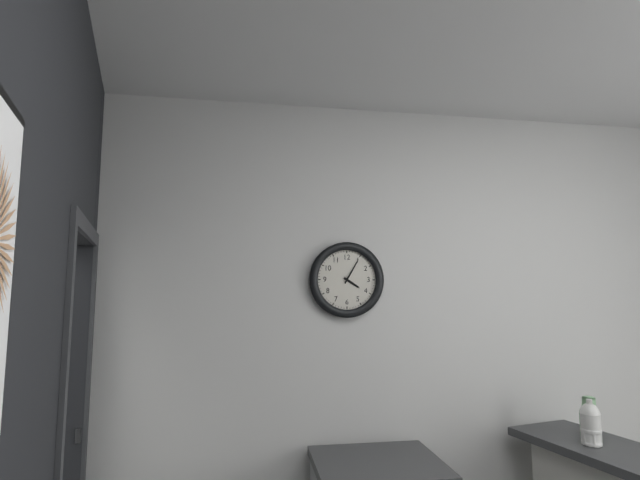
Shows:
4h05
